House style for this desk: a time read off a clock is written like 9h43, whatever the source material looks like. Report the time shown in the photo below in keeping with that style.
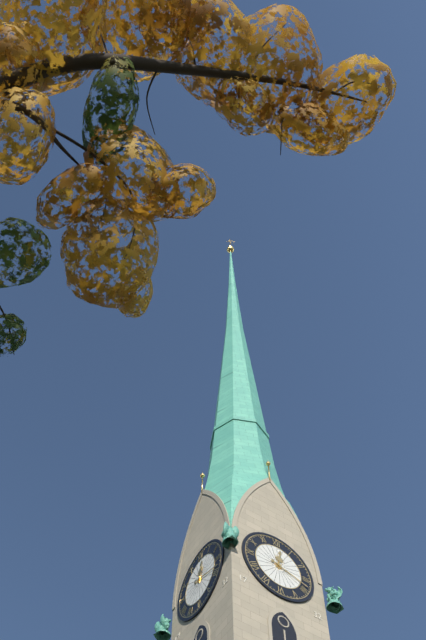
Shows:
12h18
